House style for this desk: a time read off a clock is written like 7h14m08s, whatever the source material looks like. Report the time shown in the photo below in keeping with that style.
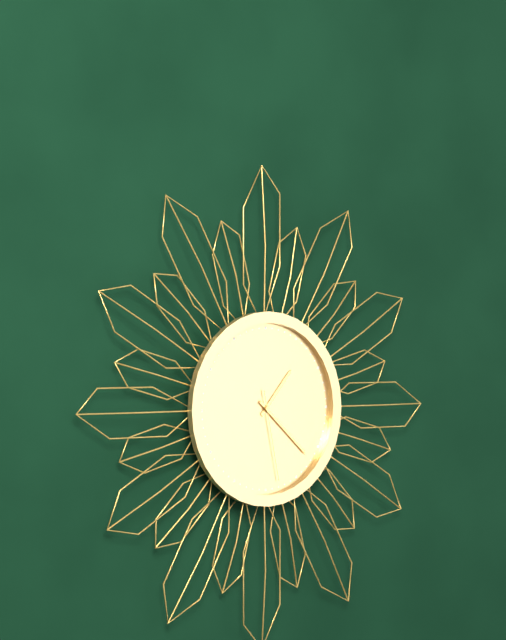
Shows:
1h22m28s
